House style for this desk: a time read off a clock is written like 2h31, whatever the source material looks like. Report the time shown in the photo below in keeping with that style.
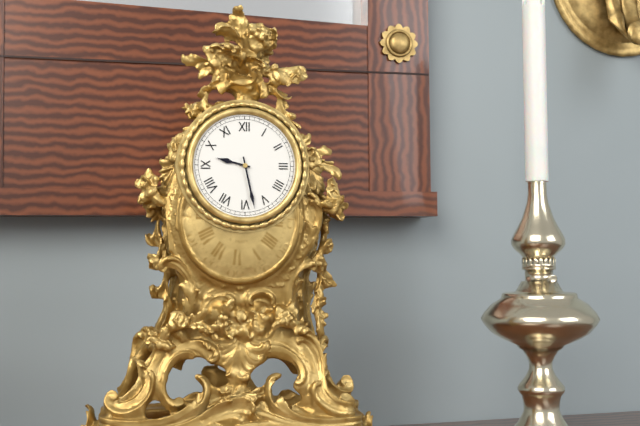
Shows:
9h28
